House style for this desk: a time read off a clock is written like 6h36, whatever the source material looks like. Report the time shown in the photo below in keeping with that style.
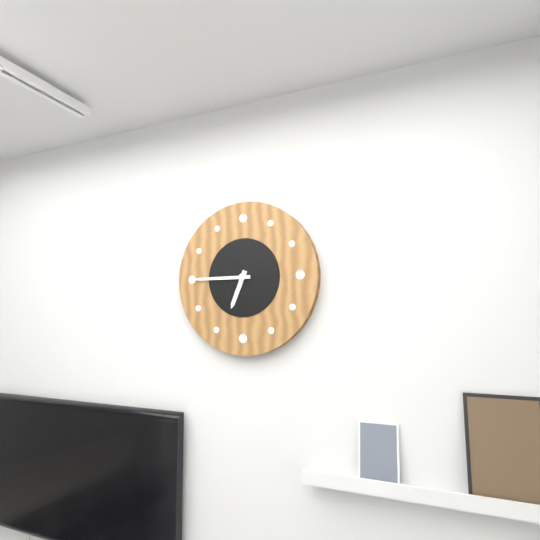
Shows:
6h45
